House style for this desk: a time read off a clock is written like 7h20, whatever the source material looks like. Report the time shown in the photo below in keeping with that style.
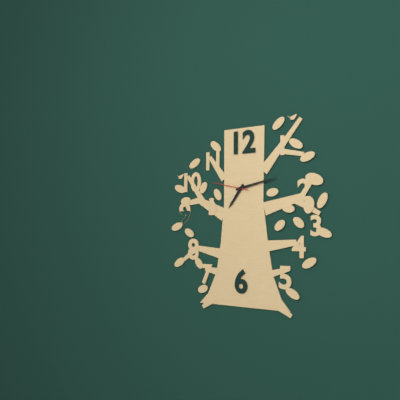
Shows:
7h13
